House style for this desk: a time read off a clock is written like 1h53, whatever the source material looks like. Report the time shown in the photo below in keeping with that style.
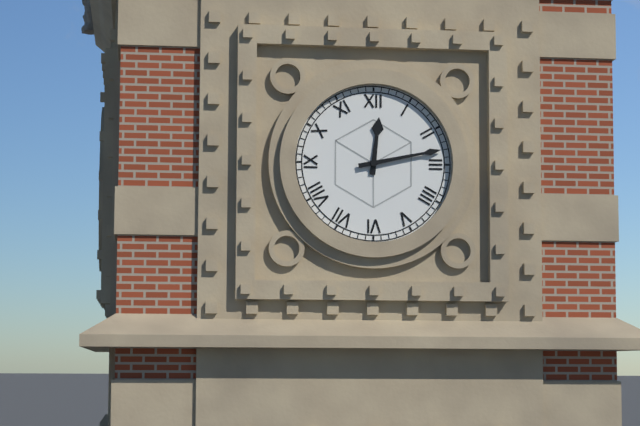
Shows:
12h13
